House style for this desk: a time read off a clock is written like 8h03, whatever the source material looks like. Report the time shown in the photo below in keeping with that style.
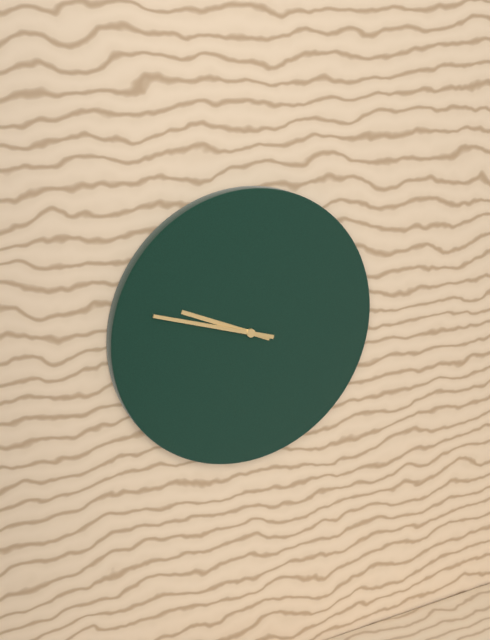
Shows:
9h48
